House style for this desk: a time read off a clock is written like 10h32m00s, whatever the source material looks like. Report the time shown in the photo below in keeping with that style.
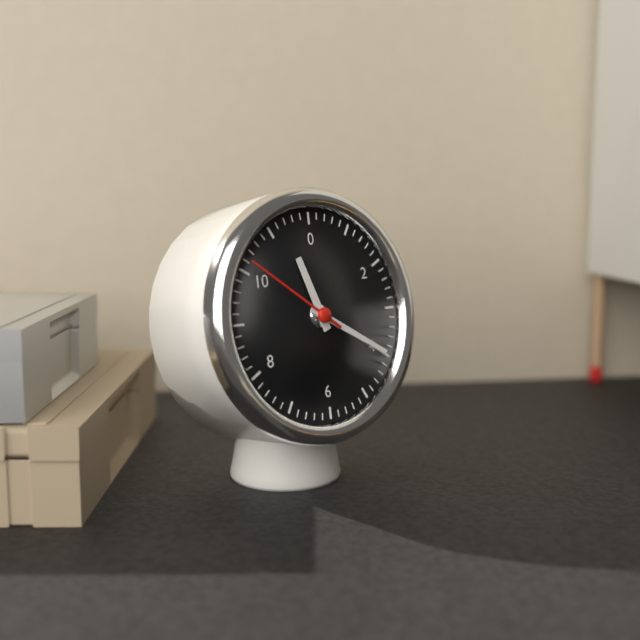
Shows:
11h20m51s
